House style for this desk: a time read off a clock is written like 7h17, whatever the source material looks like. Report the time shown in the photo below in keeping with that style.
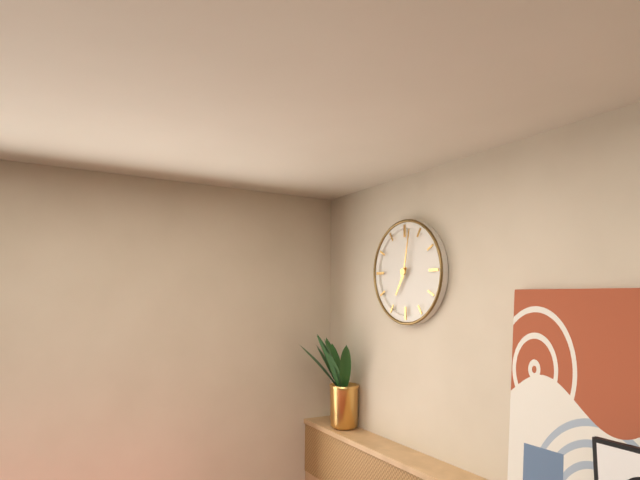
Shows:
7h02
